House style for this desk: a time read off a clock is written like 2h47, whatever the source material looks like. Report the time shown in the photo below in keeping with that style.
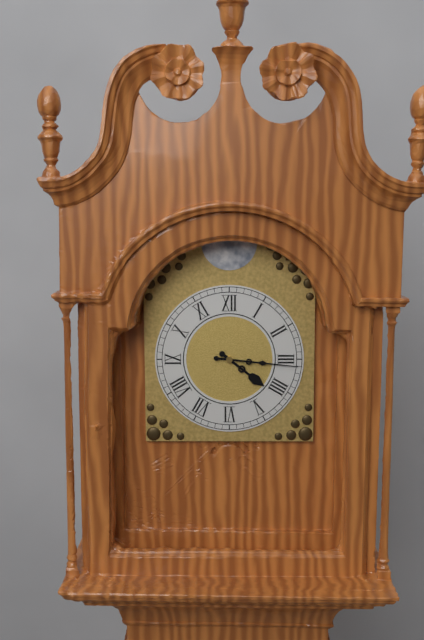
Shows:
4h16
